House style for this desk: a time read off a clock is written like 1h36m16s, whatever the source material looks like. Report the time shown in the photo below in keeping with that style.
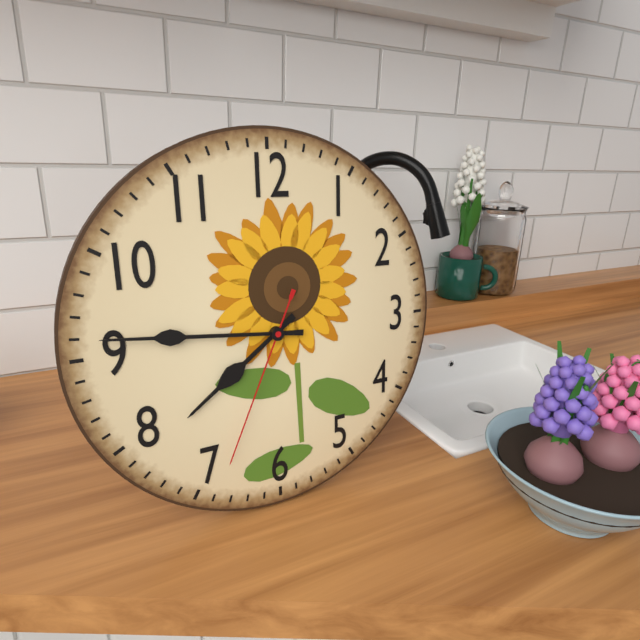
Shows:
7h46m34s
